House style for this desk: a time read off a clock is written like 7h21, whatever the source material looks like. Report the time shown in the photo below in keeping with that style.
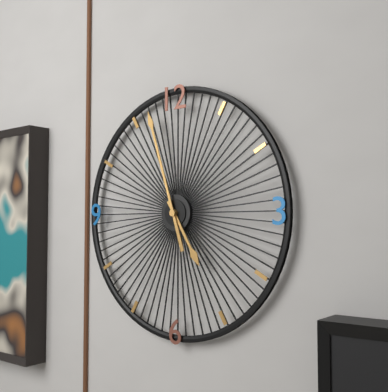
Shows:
4h57
